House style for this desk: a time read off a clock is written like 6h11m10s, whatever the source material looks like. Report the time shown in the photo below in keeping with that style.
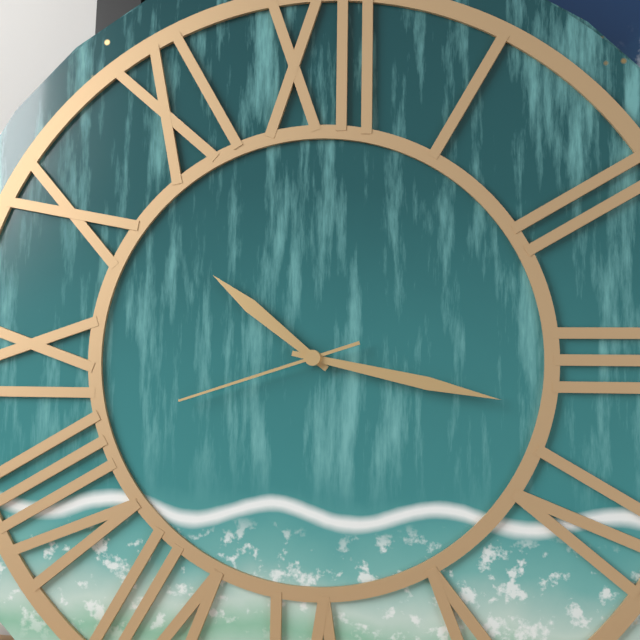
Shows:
10h17m42s
